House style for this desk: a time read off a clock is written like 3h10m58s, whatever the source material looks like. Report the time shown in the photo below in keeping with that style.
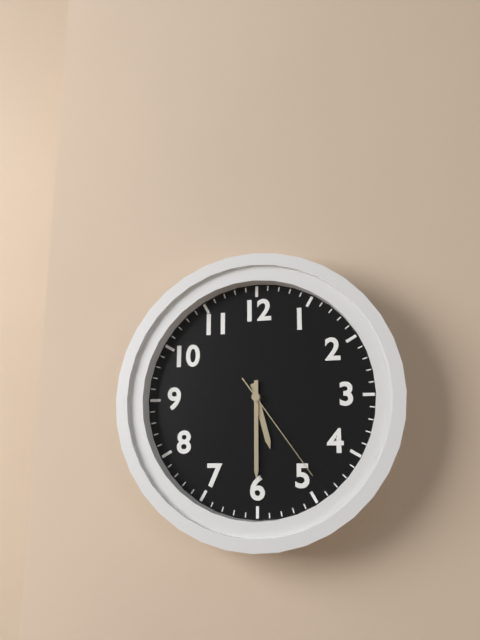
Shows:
5h30m24s
